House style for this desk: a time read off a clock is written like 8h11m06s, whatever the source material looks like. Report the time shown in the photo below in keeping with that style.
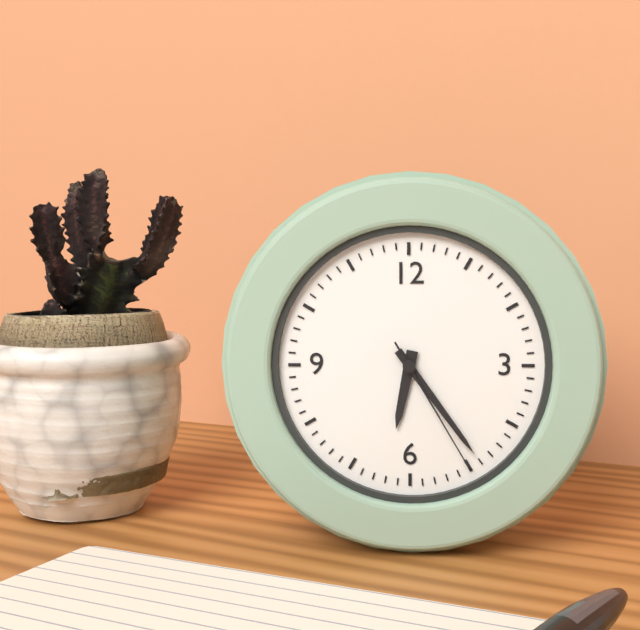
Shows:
6h24m25s
